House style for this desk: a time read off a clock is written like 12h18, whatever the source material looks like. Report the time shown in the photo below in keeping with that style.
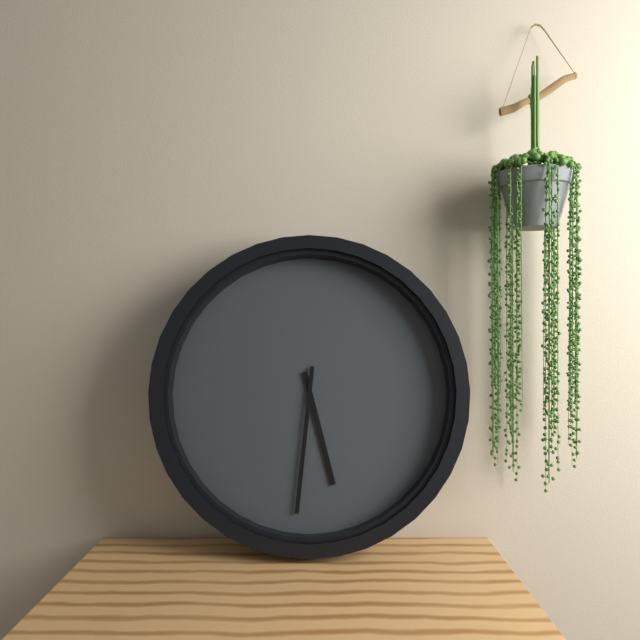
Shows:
5h31
